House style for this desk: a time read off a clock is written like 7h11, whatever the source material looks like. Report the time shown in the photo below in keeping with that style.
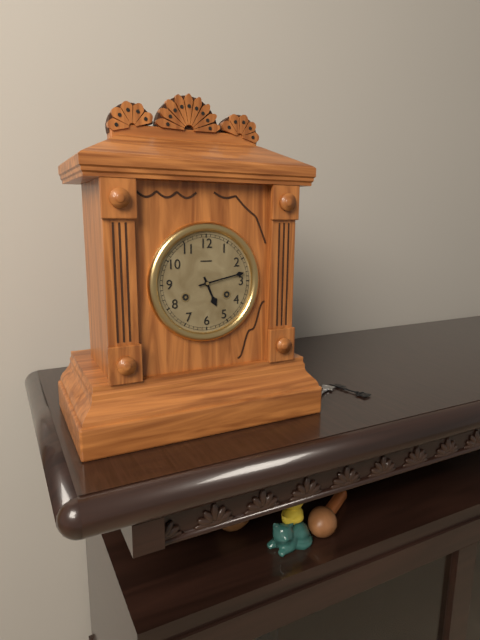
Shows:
5h13
